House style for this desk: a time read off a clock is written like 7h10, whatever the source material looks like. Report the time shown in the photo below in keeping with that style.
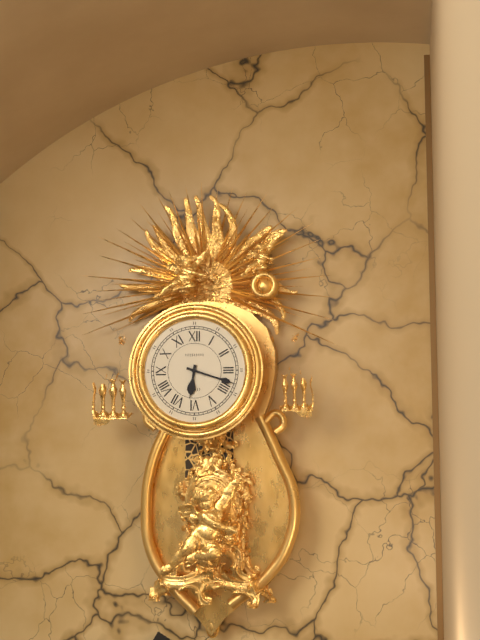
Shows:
6h18
